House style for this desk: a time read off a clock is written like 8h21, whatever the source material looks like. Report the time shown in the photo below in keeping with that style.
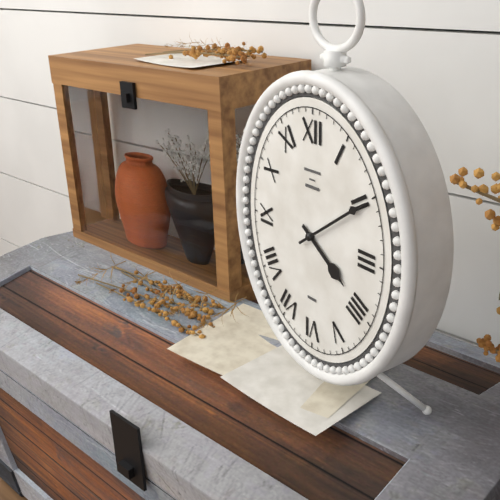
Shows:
4h09
